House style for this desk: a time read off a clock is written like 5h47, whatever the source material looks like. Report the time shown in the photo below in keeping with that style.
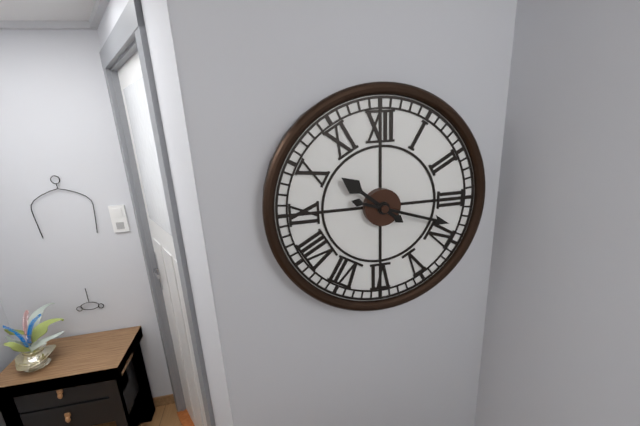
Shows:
10h18
